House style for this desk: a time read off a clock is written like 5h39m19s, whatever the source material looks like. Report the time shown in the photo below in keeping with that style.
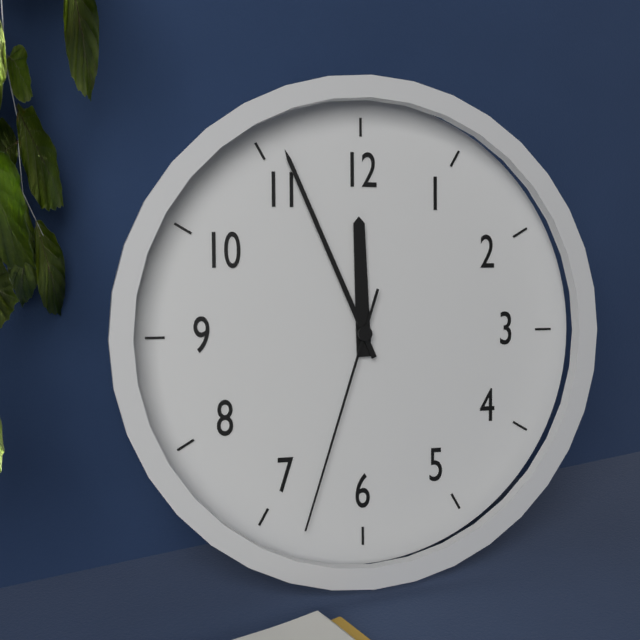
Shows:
11h56m33s
